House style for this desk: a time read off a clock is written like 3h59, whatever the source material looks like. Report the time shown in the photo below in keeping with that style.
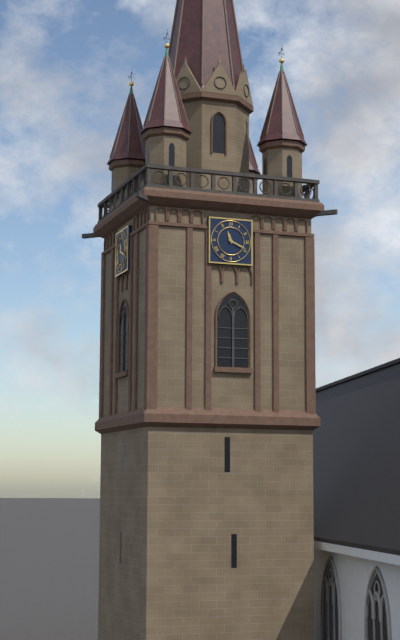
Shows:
11h19
